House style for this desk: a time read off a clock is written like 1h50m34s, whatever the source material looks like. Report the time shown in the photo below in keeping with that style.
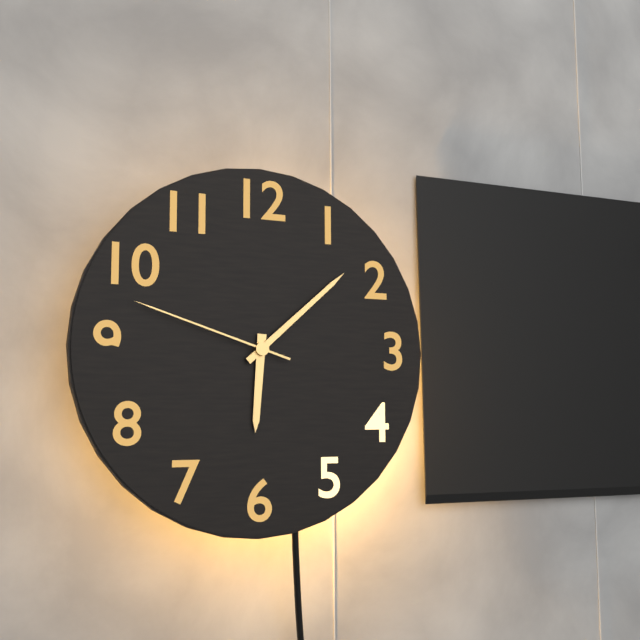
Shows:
6h08m48s
